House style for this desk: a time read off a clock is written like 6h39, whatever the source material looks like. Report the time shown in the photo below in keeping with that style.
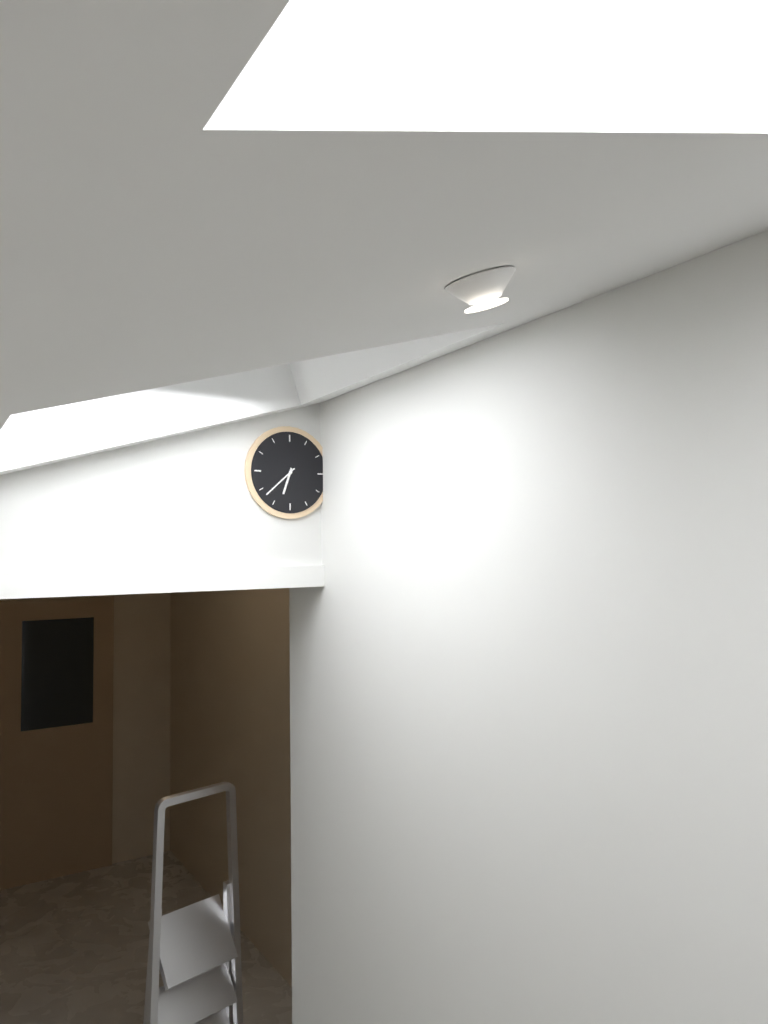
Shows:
6h38
